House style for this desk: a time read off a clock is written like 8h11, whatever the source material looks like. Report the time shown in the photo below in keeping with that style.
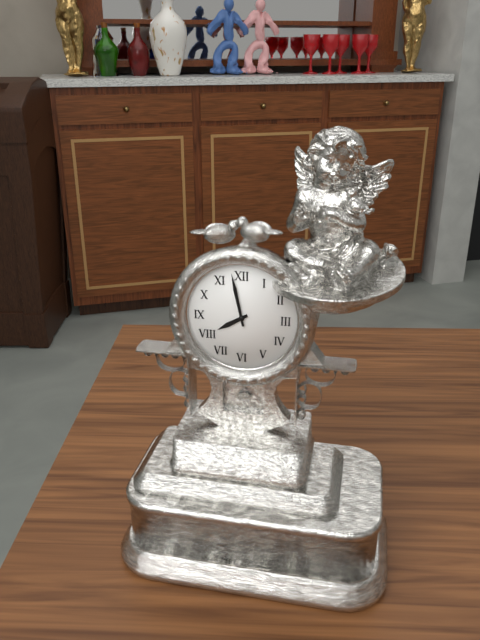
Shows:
7h58
